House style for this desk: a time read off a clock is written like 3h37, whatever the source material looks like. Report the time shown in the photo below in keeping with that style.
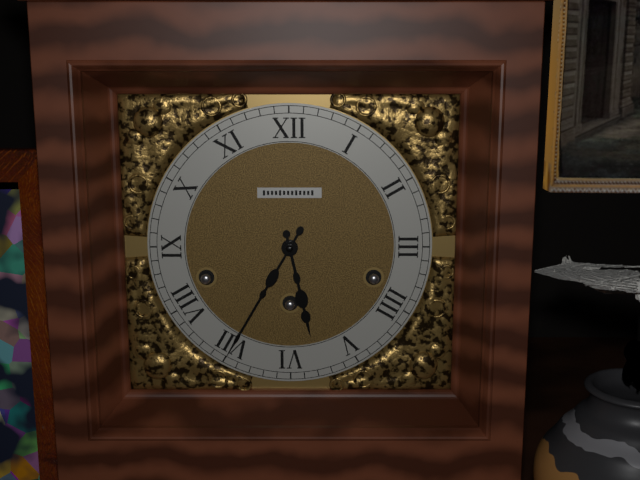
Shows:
5h35
